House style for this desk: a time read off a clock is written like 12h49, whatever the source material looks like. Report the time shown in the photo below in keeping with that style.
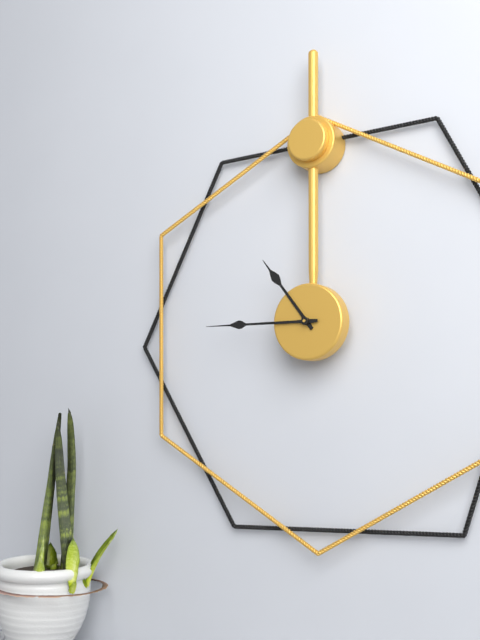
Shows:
10h45
